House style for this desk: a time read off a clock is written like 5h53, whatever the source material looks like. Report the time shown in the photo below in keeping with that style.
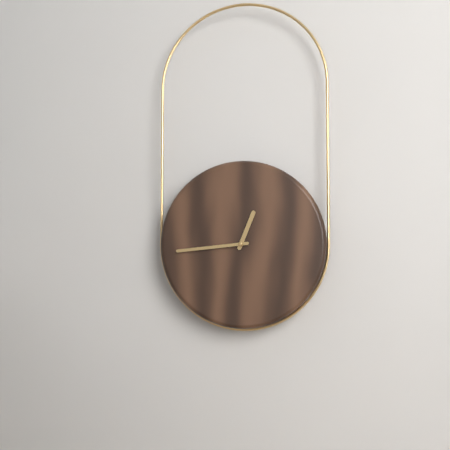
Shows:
12h44
